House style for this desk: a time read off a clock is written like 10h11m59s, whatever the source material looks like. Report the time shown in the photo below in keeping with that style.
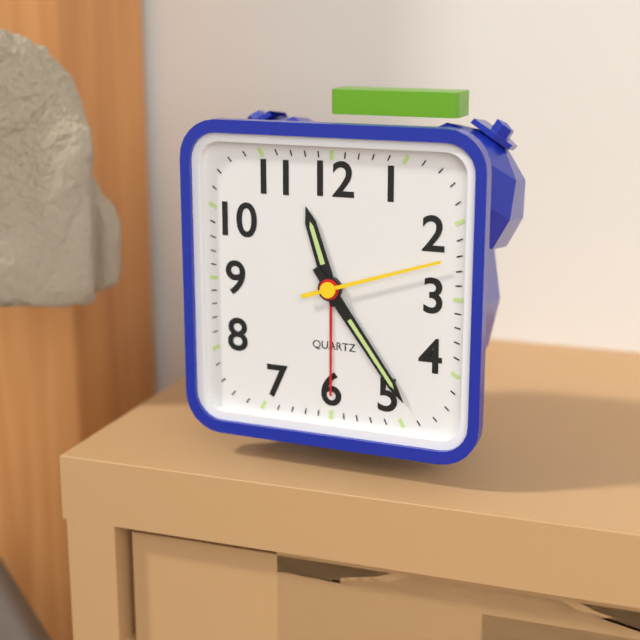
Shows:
11h24m12s
